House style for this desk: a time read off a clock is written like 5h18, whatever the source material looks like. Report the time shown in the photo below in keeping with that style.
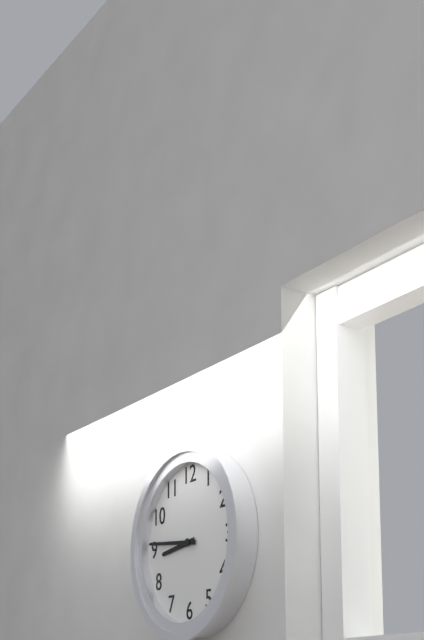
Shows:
8h46
